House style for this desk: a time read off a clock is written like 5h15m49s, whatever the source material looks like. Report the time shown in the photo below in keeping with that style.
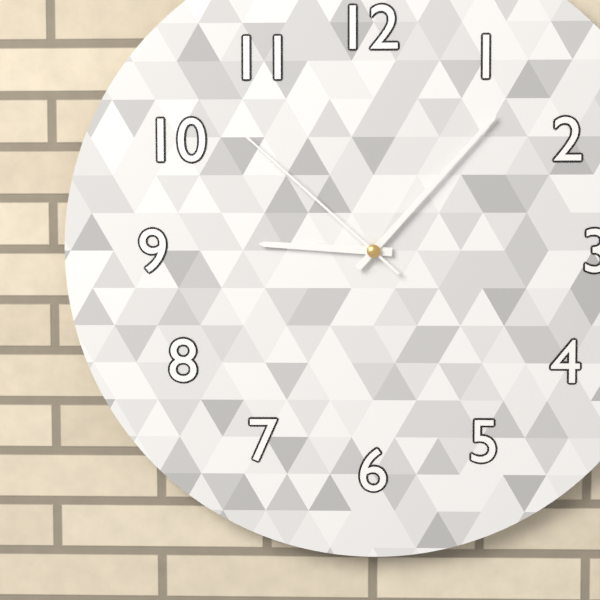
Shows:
9h07m52s
